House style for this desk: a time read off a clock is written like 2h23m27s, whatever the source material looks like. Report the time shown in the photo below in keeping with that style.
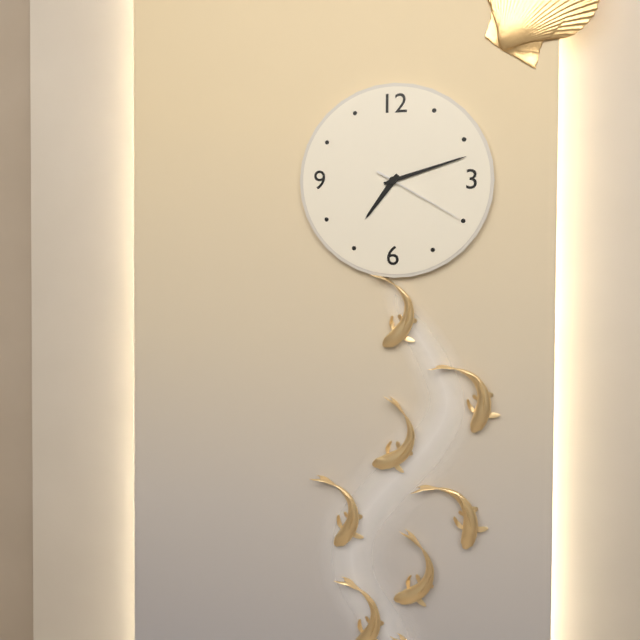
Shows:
7h12m20s
